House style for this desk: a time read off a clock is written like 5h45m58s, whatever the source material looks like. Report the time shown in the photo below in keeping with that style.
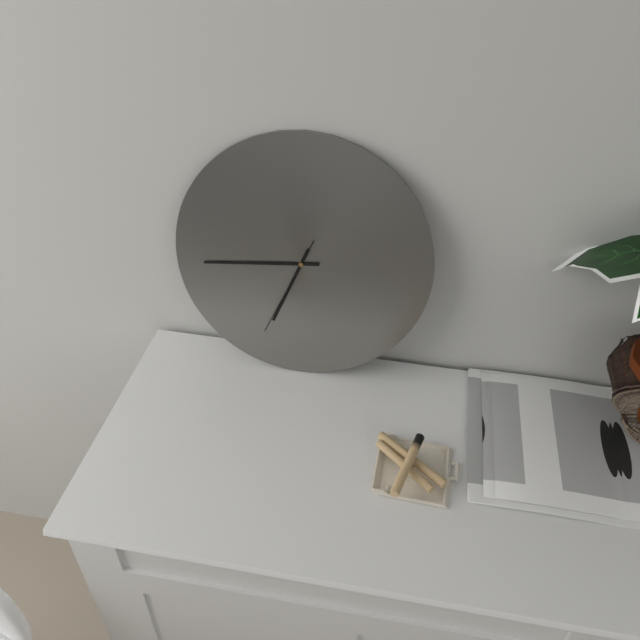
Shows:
6h44m34s
